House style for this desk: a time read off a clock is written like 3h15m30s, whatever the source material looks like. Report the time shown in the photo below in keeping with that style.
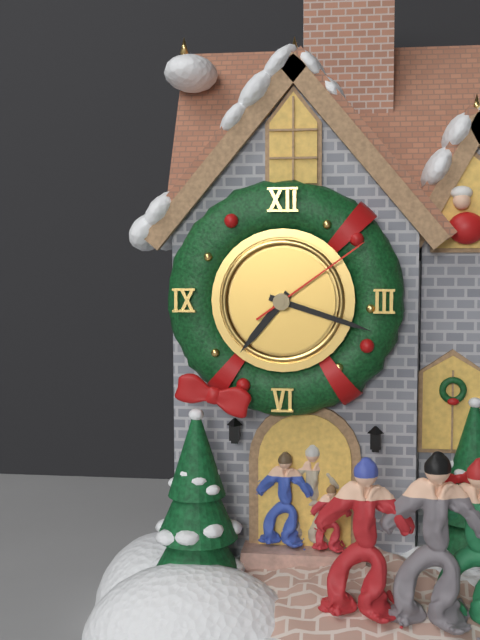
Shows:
7h18m09s
